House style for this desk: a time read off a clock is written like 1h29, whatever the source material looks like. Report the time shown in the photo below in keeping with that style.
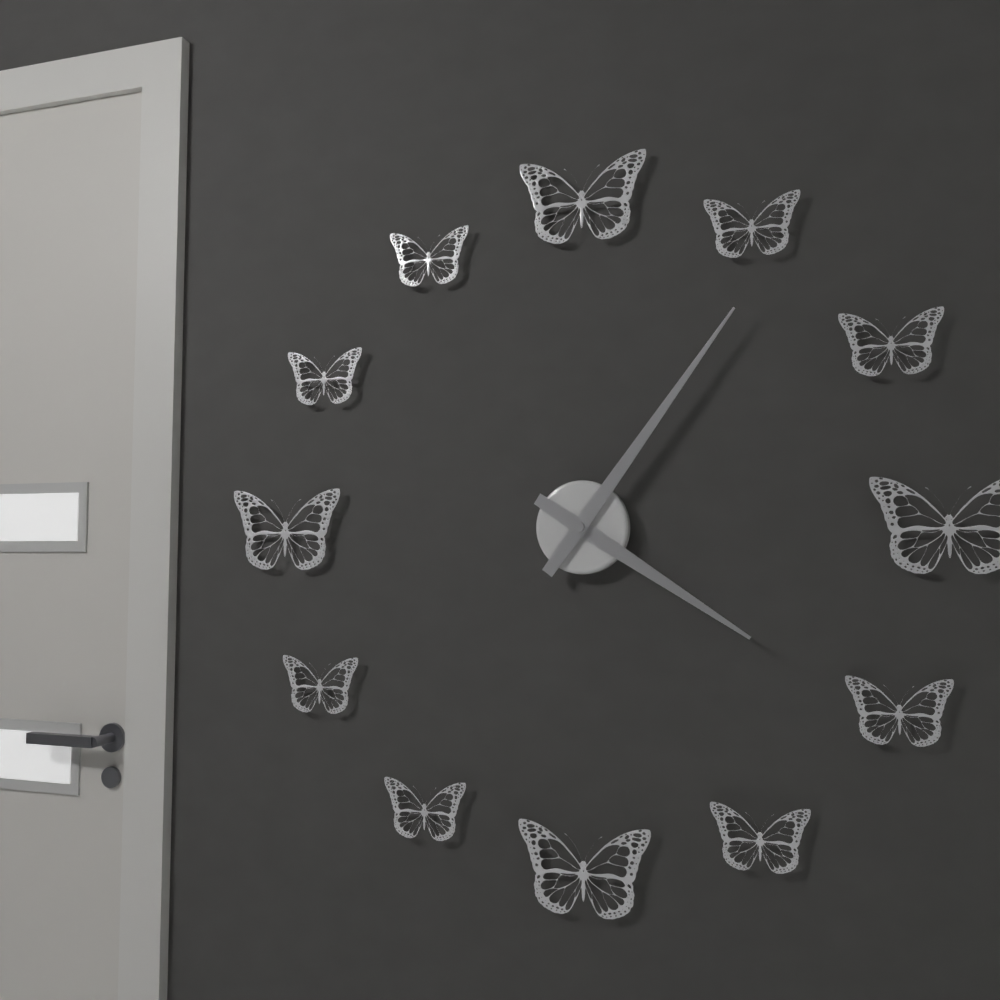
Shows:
4h06
